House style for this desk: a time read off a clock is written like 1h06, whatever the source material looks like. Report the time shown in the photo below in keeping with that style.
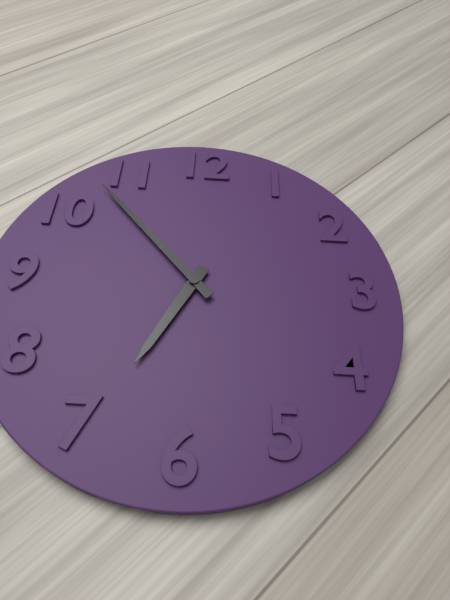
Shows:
6h53
